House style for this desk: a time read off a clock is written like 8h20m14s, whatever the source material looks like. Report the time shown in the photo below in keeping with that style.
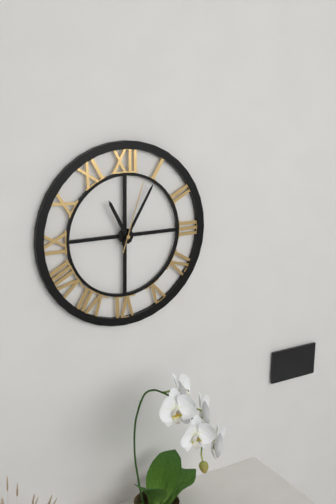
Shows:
11h05m03s
